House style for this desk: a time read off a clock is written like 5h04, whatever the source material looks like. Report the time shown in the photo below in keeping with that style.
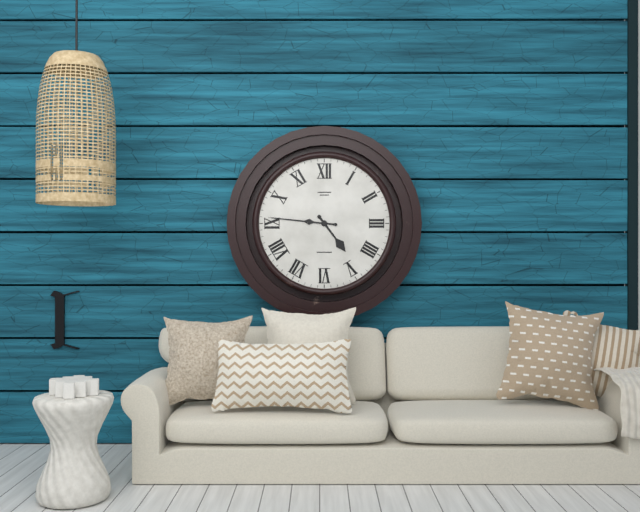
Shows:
4h46
